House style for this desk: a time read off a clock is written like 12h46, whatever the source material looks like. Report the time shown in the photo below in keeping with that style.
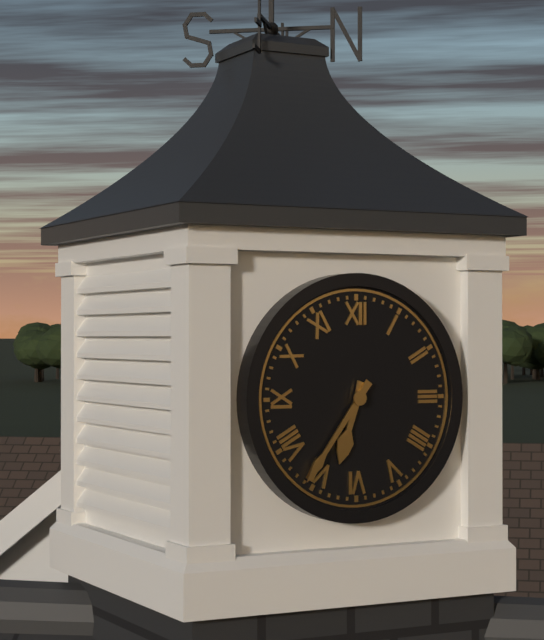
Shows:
6h36
